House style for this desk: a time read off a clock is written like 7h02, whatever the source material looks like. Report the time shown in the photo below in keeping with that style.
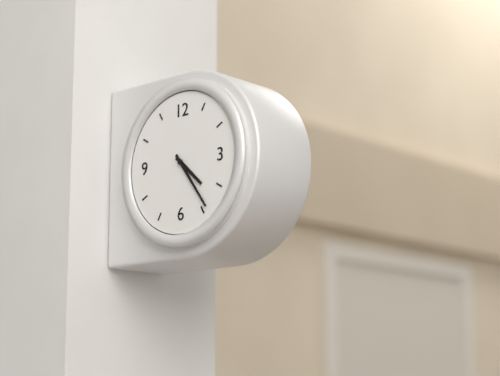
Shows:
4h24
